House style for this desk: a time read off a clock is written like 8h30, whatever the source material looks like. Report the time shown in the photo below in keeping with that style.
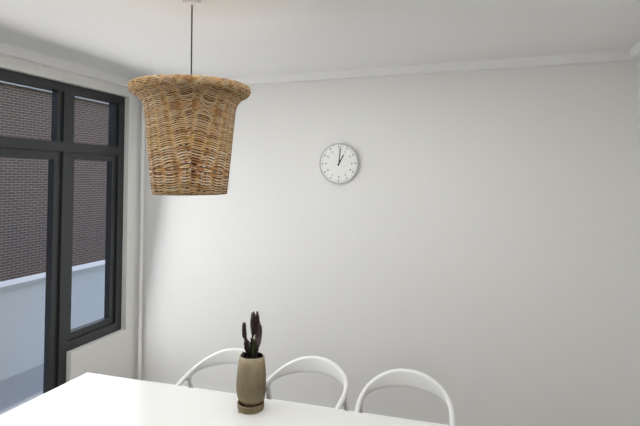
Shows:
1h01
